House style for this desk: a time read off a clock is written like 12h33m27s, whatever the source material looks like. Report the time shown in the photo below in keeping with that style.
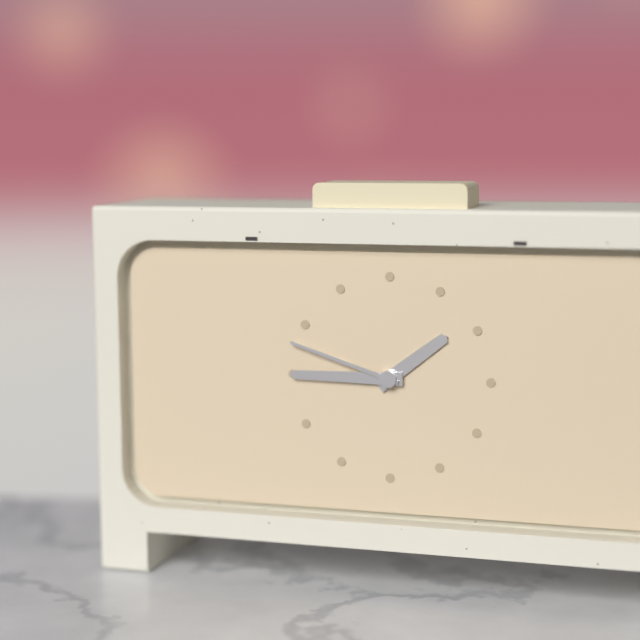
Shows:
1h45m48s
